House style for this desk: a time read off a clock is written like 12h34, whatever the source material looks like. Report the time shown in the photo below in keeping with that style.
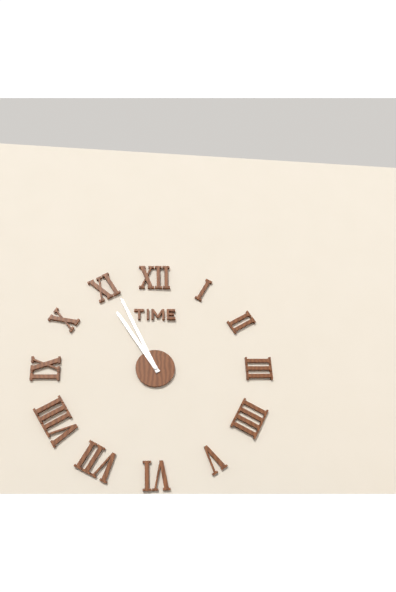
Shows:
10h56
